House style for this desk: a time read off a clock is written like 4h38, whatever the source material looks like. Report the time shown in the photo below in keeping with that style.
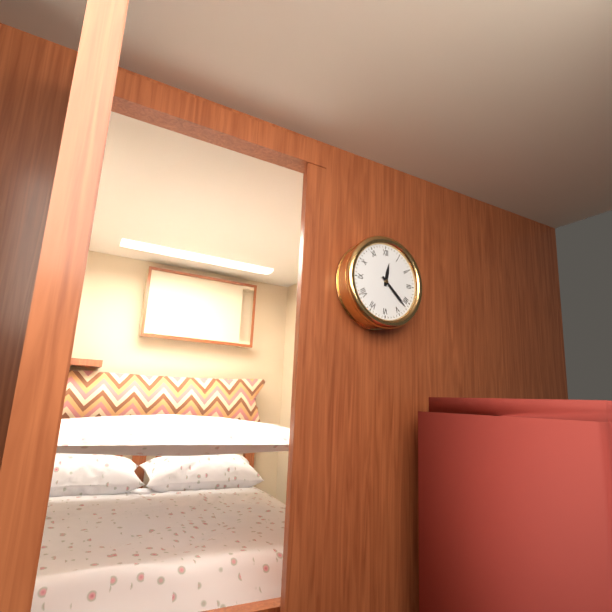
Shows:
12h22
